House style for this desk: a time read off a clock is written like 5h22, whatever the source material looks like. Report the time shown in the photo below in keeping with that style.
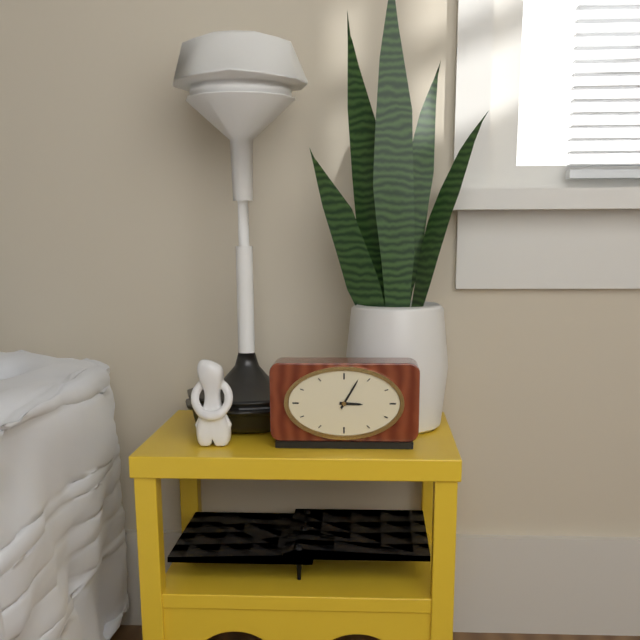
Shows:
3h05
